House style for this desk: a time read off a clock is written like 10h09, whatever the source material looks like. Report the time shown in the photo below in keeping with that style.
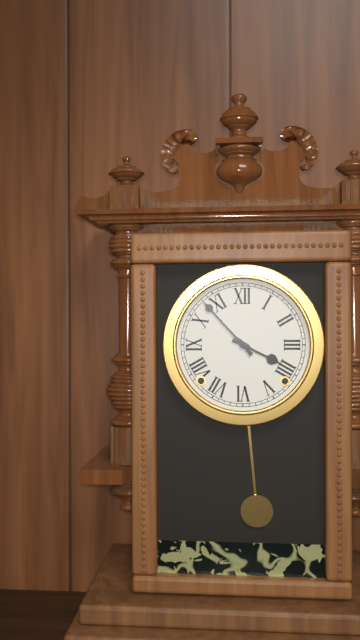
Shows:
3h53
